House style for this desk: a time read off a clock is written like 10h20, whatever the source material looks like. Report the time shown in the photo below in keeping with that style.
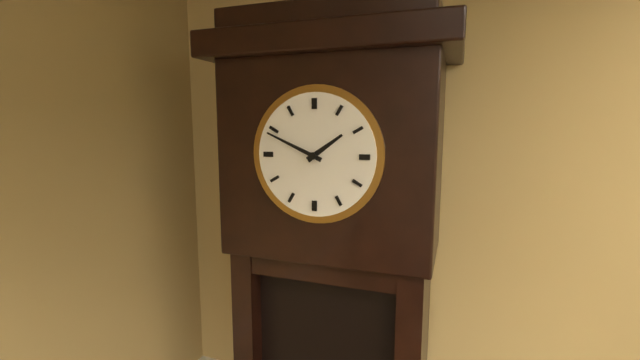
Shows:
1h49
